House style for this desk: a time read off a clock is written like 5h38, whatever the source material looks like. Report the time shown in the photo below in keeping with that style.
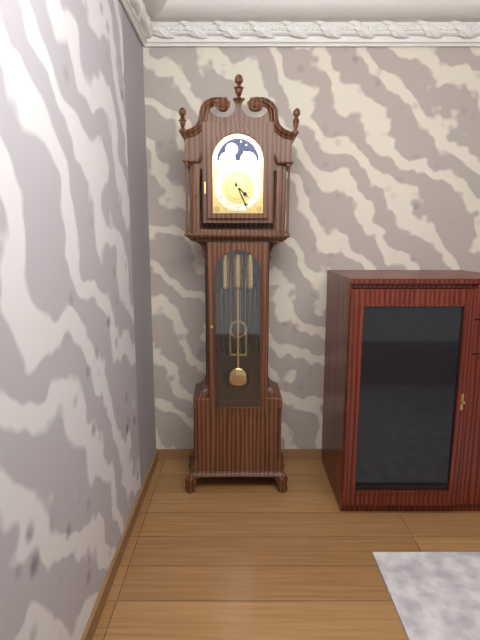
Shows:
4h26
